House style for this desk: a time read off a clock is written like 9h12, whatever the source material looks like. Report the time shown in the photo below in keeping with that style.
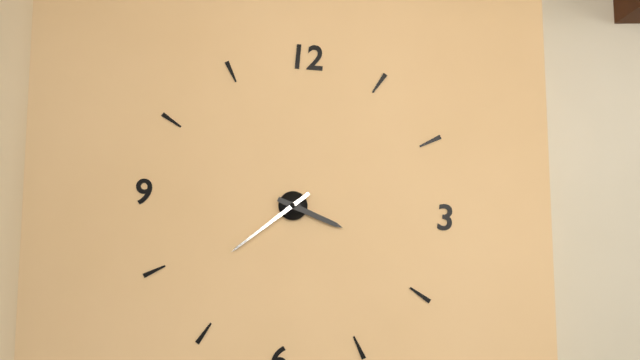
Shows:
3h38
